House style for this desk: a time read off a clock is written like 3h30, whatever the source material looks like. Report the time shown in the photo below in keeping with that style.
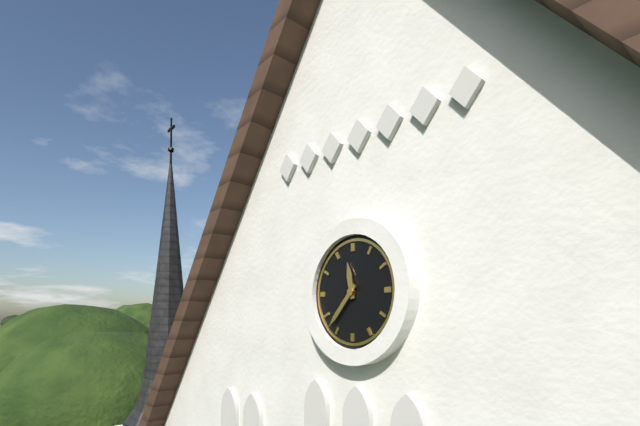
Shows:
11h37
